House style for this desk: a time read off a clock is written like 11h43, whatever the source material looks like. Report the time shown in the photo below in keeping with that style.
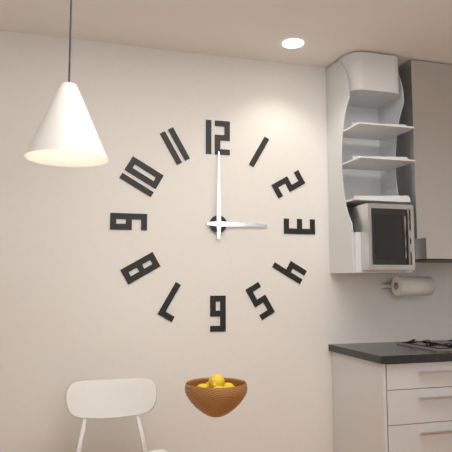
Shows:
3h00
